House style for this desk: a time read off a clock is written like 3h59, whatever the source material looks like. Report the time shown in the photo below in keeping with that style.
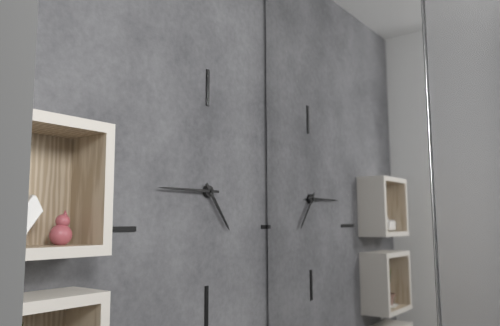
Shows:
4h45
